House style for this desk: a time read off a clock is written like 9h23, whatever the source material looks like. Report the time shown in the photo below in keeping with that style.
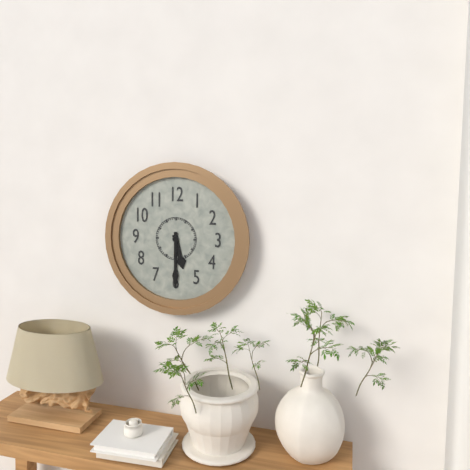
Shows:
5h30
